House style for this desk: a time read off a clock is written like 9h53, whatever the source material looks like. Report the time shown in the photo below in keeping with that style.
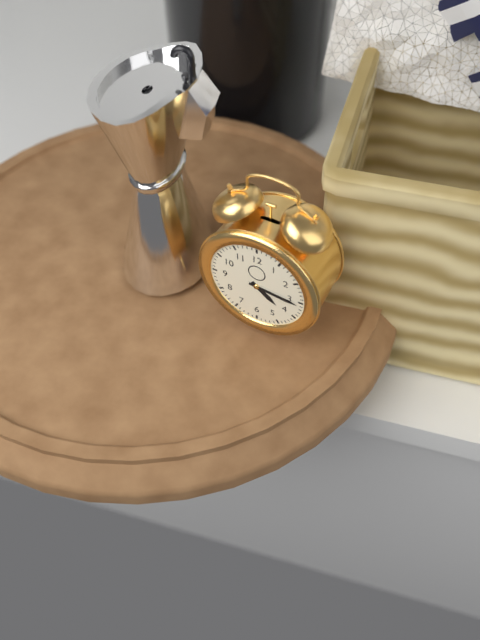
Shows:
4h16
